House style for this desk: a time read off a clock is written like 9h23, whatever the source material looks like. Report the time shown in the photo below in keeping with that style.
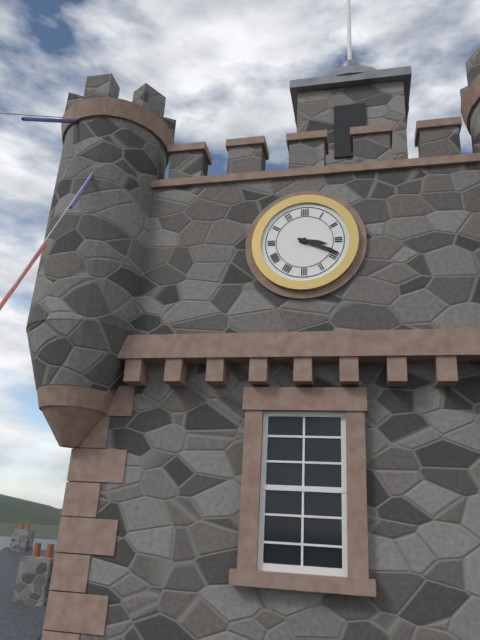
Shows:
3h19
